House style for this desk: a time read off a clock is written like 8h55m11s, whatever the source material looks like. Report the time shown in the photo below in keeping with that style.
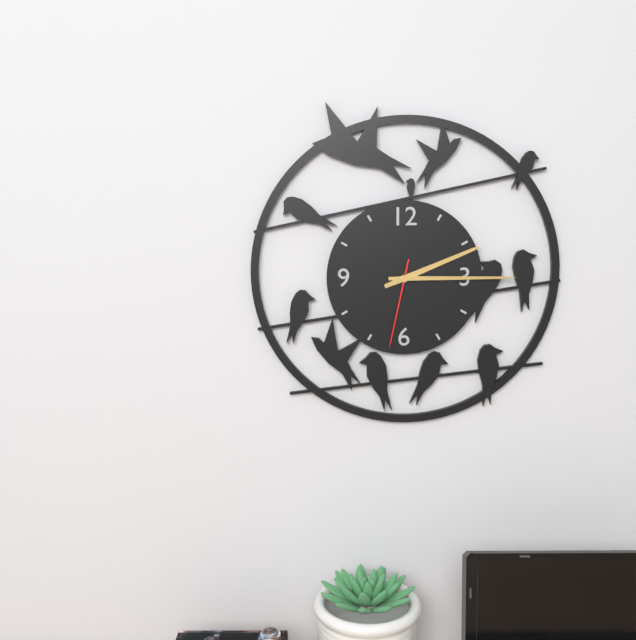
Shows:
2h15m32s
